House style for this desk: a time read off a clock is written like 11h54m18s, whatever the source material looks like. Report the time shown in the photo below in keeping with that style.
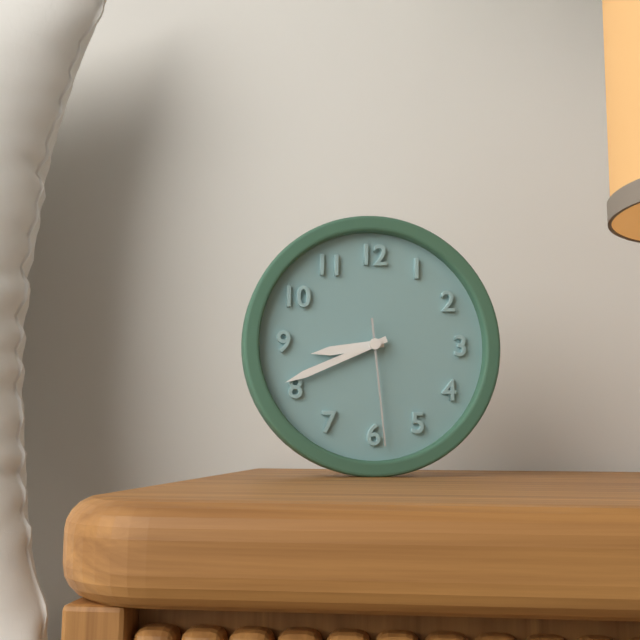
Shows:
8h41m29s
